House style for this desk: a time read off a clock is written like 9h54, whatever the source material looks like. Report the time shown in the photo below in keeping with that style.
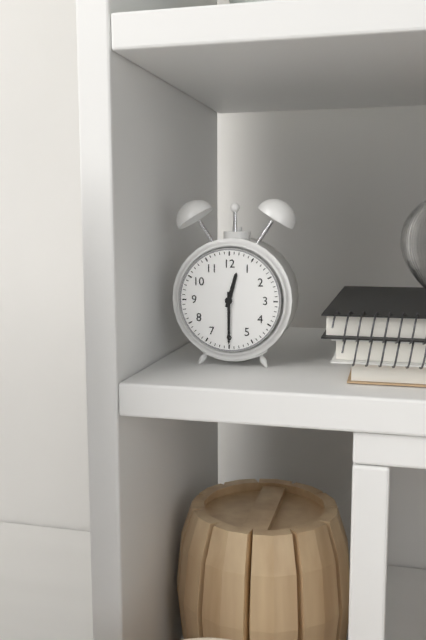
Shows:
12h30
